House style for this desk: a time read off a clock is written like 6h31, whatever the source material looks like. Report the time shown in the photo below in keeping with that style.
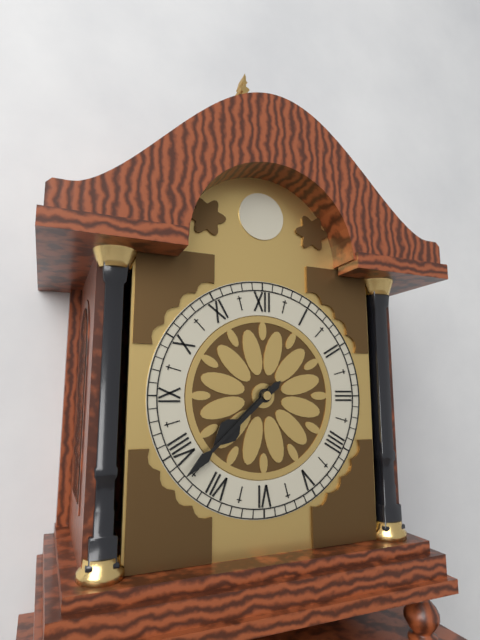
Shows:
7h38
